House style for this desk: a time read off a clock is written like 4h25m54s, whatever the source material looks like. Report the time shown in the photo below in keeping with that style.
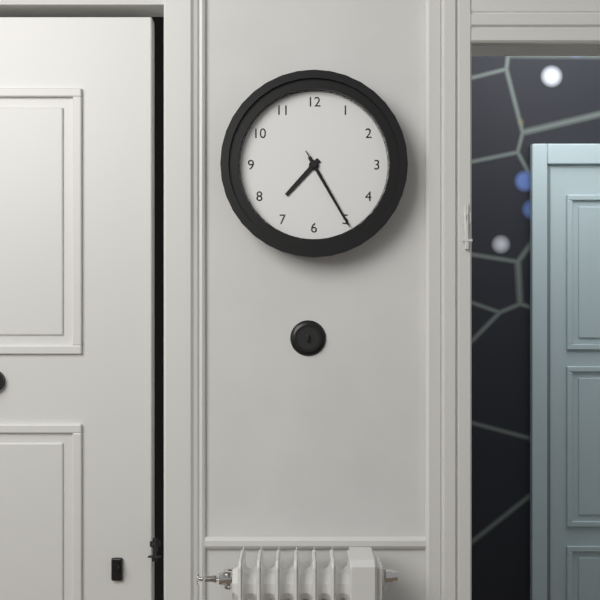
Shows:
7h25m25s
